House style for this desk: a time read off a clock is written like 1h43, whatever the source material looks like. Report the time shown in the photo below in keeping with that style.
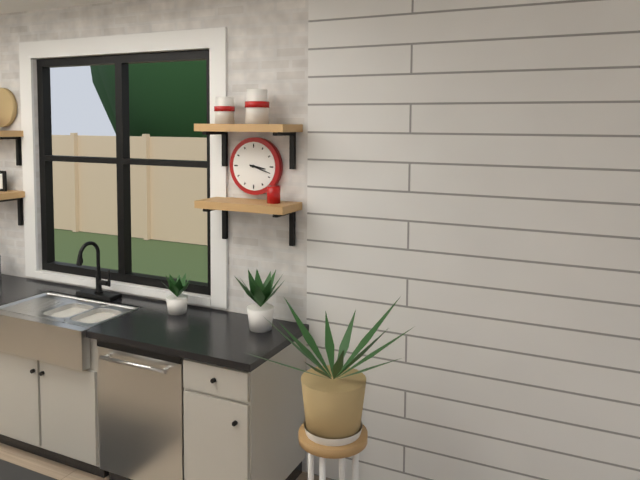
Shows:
3h18
